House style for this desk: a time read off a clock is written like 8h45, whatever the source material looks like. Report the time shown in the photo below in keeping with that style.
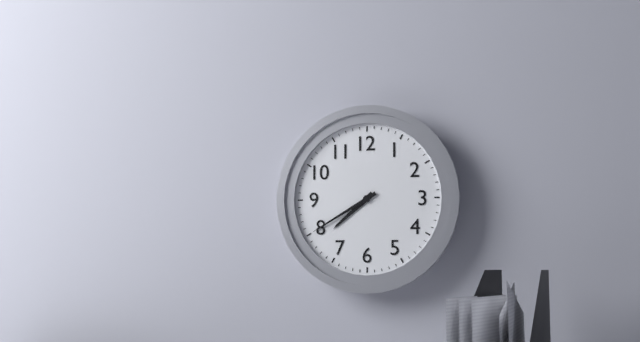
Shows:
7h40
